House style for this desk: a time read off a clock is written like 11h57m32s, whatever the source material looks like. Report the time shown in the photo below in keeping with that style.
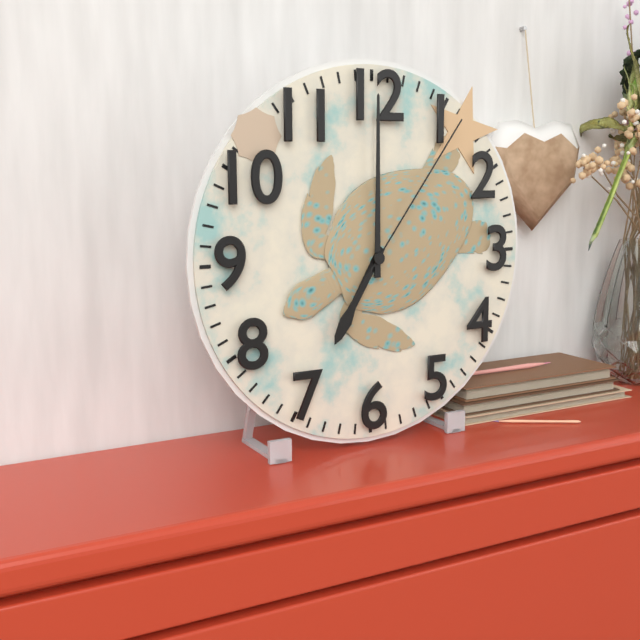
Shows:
7h00m06s
